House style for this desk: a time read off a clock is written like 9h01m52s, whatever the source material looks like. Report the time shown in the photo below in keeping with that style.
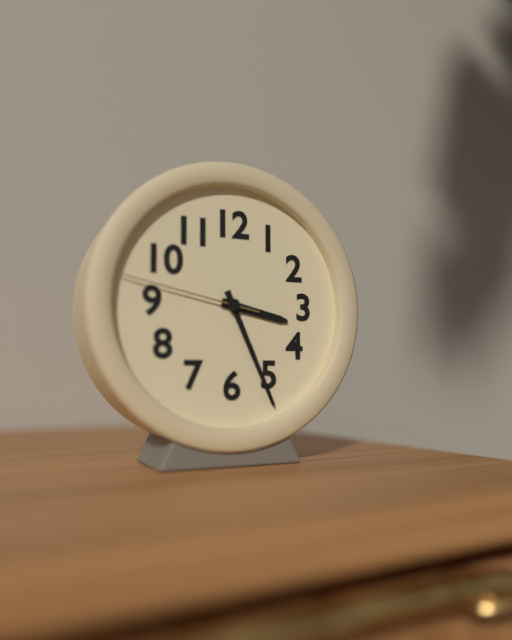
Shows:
3h26m47s
